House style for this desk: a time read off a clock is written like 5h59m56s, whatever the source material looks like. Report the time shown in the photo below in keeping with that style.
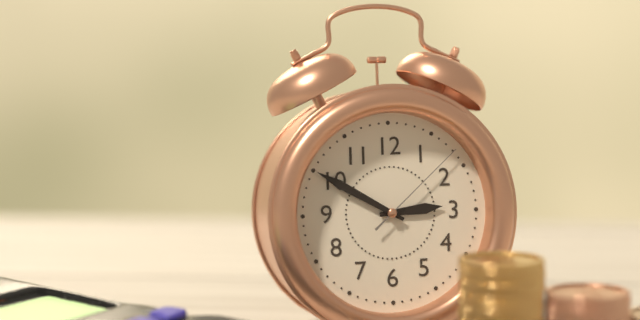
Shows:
2h50m08s
